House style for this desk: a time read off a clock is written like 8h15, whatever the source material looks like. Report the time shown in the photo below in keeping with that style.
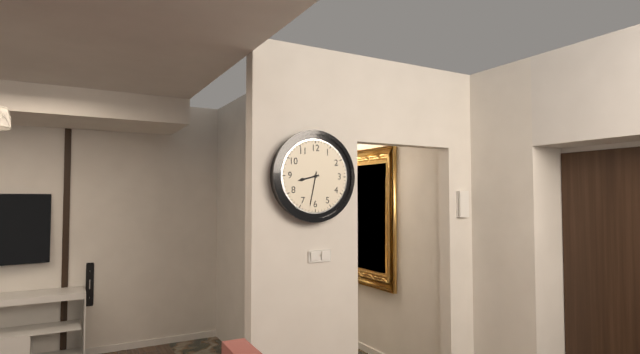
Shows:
8h32
